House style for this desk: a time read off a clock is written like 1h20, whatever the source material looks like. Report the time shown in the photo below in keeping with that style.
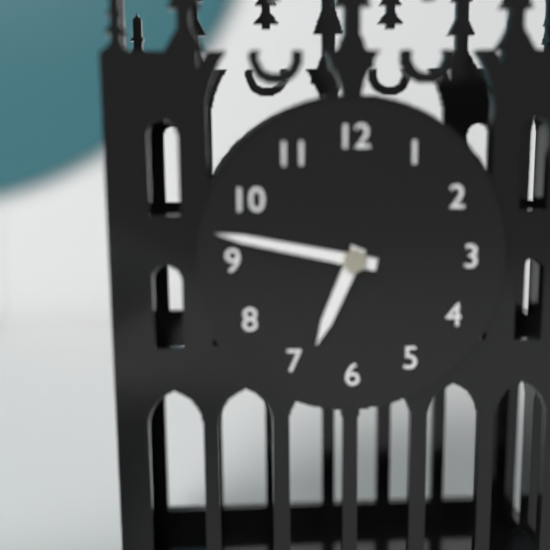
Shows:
6h47
